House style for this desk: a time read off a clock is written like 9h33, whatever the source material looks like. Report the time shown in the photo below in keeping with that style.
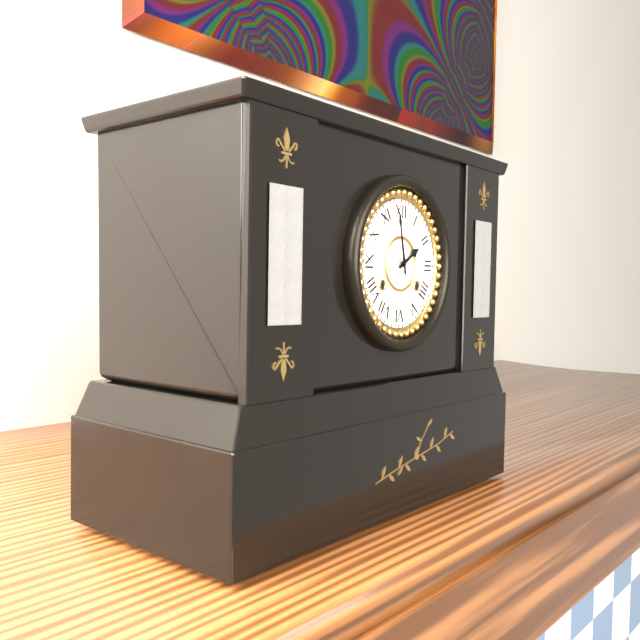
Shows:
1h58
